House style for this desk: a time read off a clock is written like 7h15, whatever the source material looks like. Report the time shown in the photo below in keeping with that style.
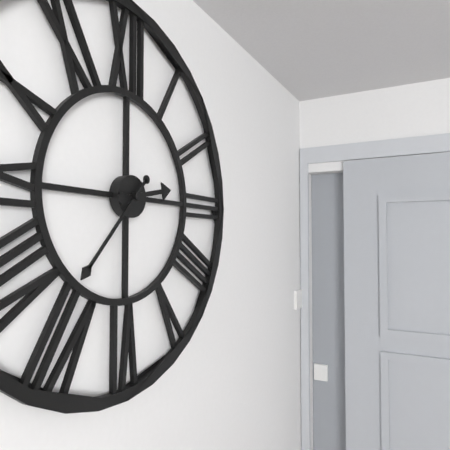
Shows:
2h37
